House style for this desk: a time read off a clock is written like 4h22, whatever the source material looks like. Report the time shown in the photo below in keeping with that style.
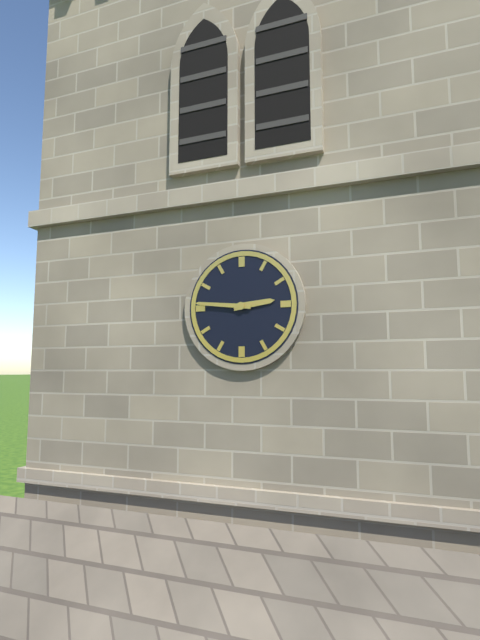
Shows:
2h46
